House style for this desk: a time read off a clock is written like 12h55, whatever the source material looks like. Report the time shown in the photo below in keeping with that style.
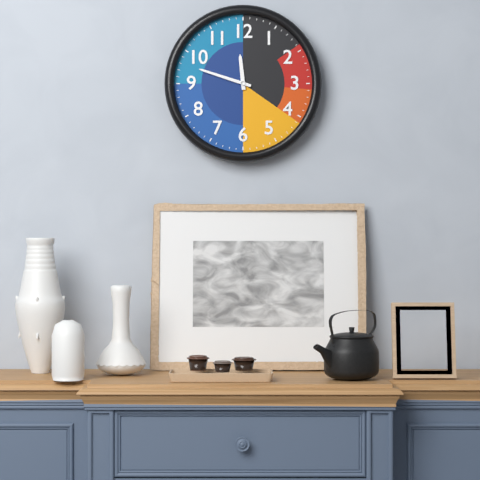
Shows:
11h48
